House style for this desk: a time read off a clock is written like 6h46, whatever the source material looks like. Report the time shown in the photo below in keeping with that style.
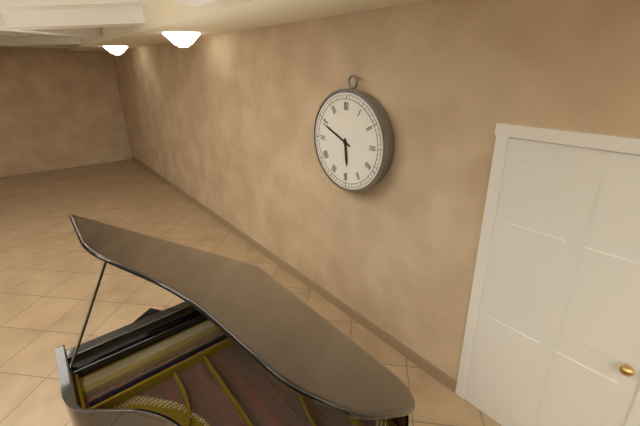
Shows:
5h49
